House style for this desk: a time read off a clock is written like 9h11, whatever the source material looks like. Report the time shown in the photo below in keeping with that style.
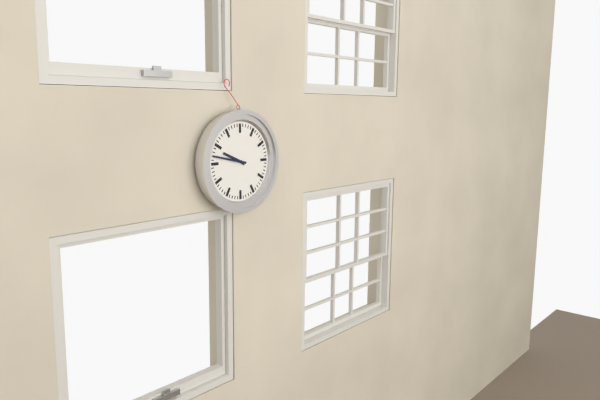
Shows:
9h47
